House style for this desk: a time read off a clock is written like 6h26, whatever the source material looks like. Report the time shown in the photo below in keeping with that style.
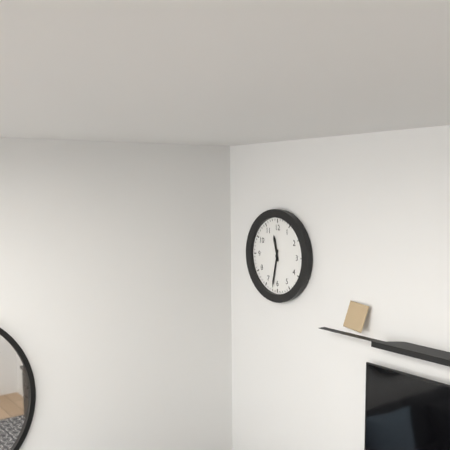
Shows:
11h32
